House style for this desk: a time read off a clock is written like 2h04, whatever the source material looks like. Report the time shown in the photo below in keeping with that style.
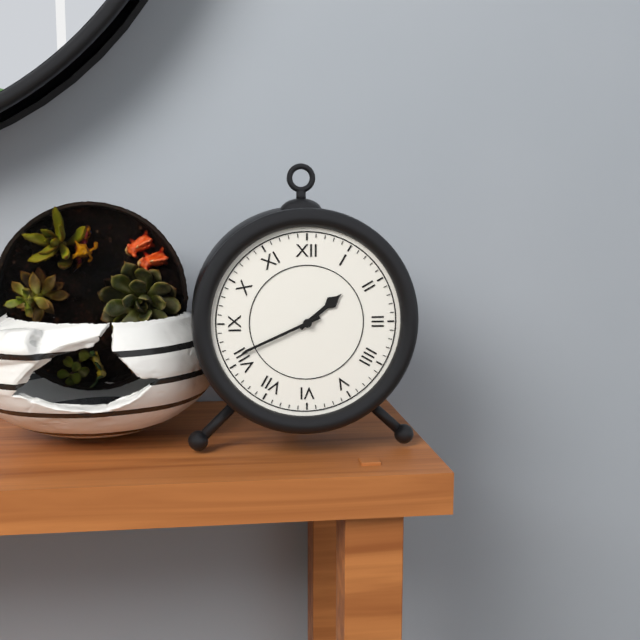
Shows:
1h41
